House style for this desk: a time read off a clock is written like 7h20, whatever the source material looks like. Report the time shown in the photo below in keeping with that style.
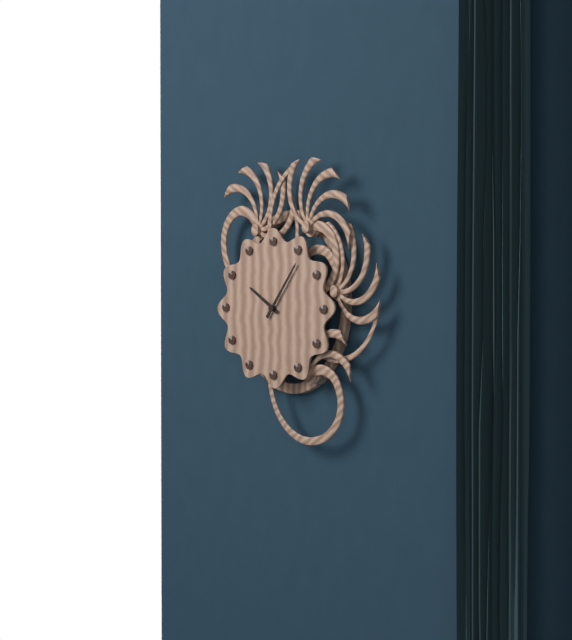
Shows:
10h06
